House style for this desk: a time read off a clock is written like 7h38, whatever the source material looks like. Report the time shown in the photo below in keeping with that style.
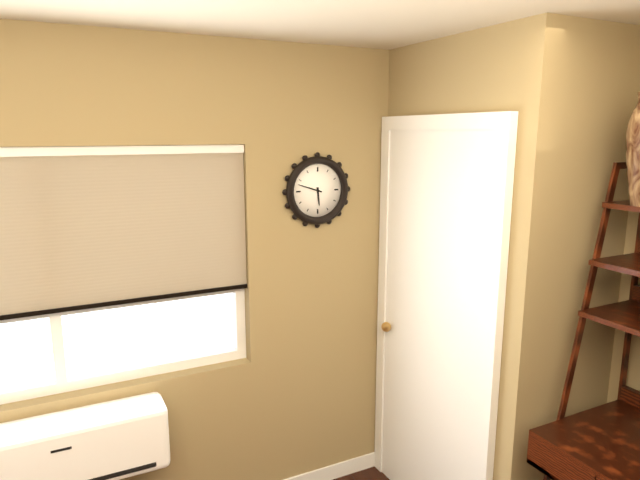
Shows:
5h48
